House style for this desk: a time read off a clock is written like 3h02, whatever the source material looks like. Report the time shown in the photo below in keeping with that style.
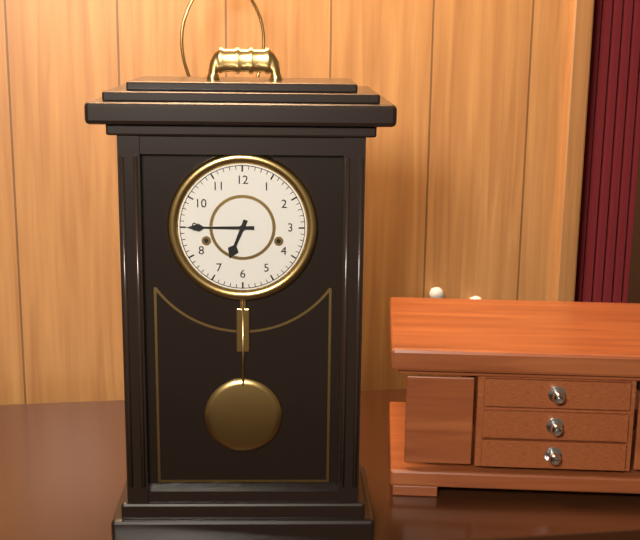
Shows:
6h45
